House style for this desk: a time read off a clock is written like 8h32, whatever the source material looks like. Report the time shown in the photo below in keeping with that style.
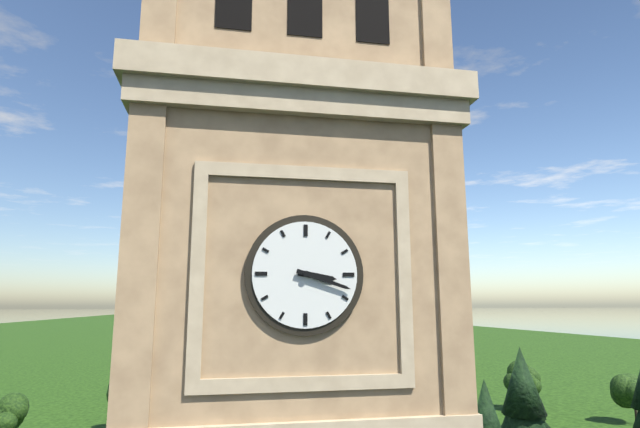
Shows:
3h18
